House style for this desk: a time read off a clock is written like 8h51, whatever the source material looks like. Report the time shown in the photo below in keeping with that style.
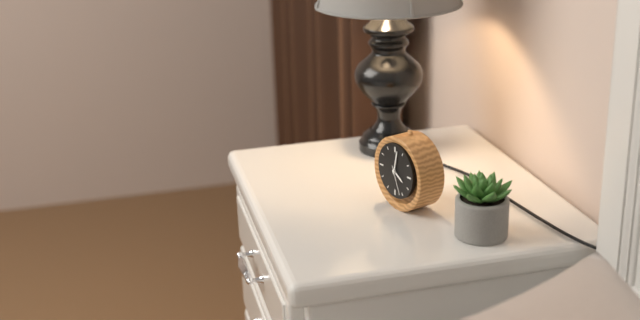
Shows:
4h02
